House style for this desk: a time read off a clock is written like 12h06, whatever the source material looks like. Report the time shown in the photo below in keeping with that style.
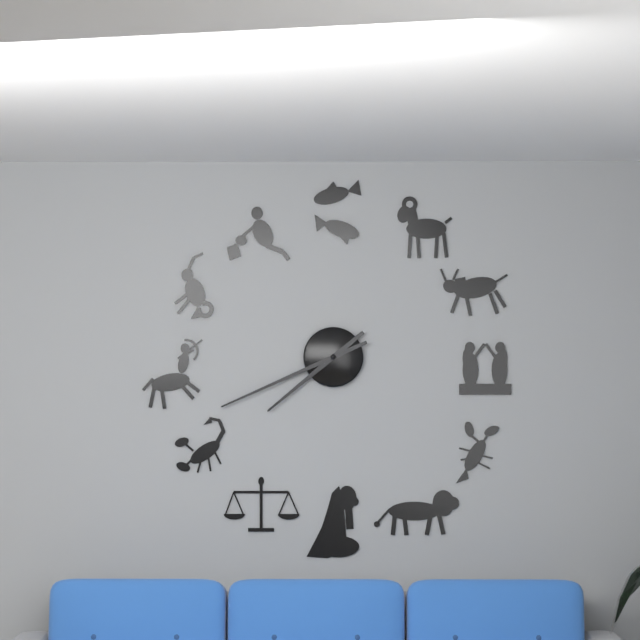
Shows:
7h41
